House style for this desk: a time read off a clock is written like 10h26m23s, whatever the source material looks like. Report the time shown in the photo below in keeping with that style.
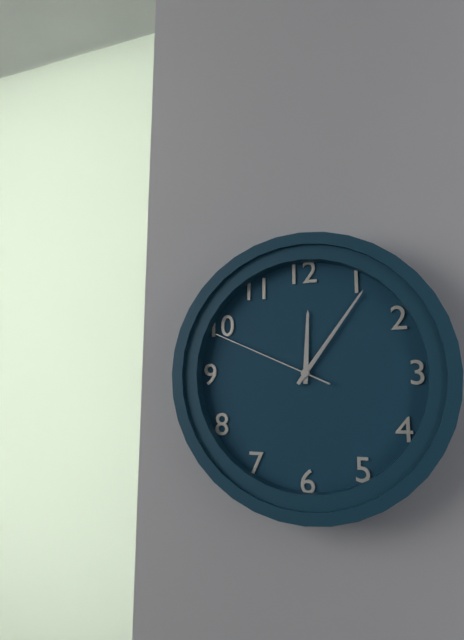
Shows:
12h06m49s
